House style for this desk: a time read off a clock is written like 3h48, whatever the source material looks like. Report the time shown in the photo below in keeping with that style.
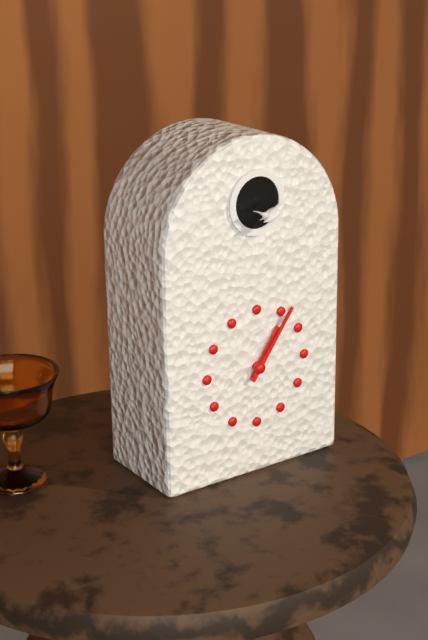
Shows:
1h06
